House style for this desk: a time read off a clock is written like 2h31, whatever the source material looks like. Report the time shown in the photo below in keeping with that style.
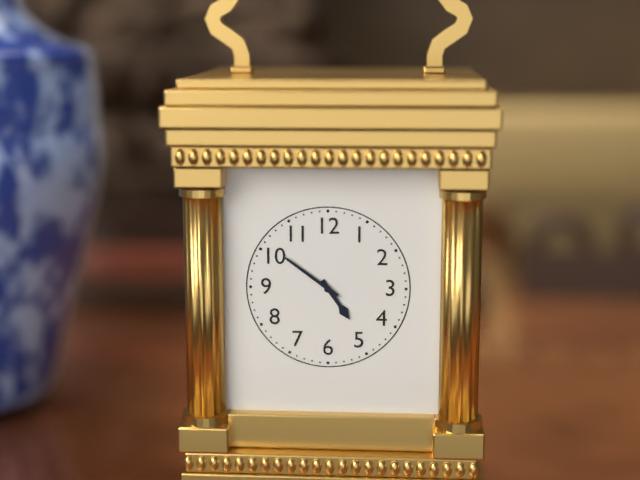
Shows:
4h51
